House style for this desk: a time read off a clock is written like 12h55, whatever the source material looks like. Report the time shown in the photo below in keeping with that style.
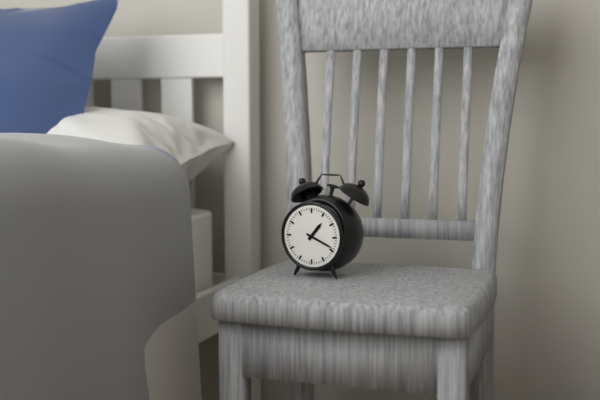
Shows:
1h19
